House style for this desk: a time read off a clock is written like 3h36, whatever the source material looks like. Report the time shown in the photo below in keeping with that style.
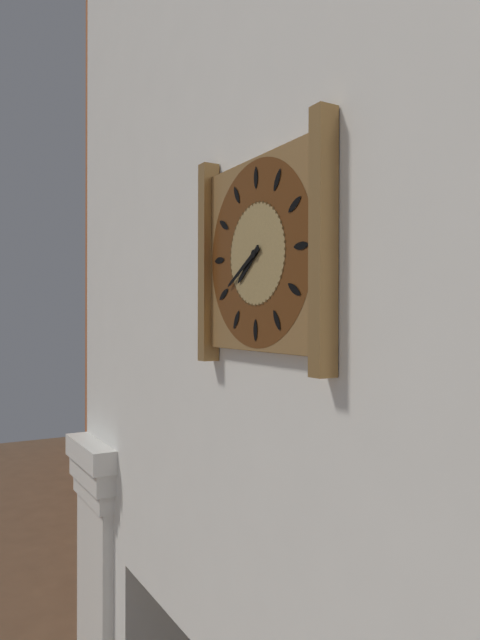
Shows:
7h40
